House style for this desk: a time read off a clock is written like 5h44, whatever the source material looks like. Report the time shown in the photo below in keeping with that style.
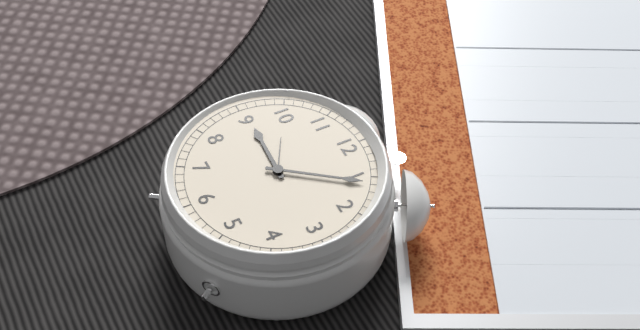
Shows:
9h06
